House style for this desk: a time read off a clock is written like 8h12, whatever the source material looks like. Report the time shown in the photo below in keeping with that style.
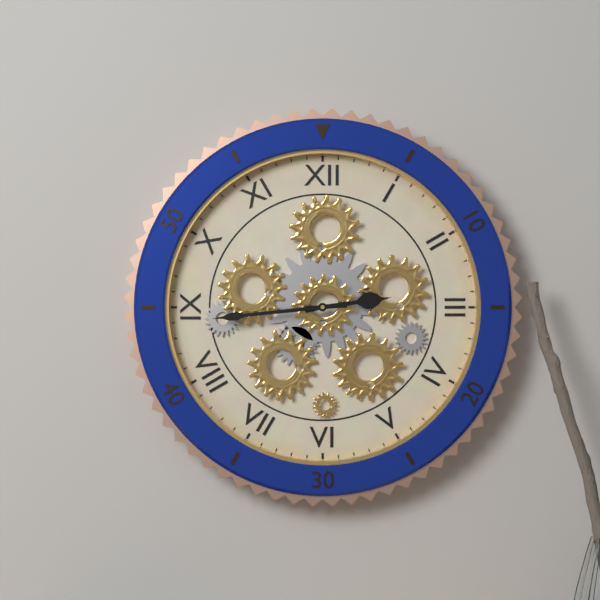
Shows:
2h44
